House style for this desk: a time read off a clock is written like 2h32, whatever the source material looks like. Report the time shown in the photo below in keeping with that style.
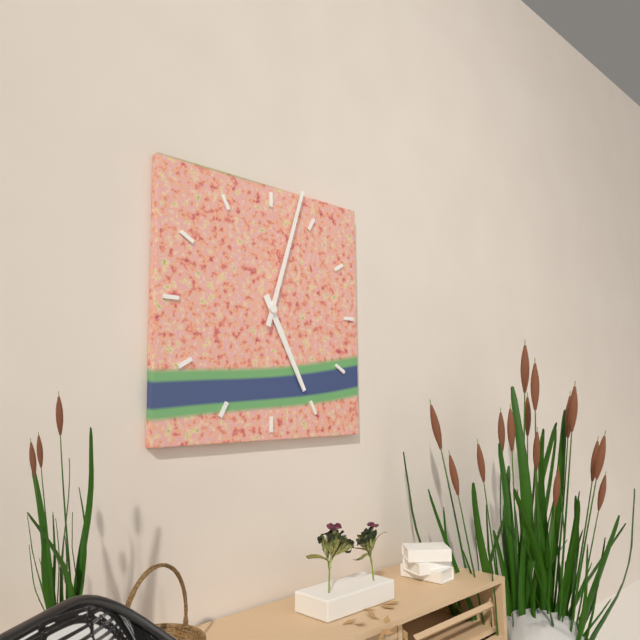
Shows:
5h03
